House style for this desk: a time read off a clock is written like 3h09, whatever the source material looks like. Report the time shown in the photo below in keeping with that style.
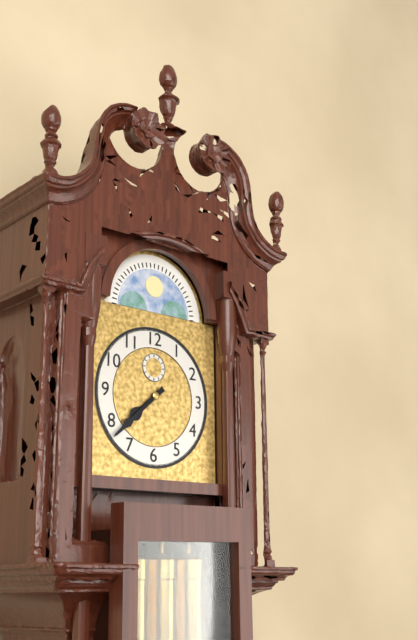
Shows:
7h38
